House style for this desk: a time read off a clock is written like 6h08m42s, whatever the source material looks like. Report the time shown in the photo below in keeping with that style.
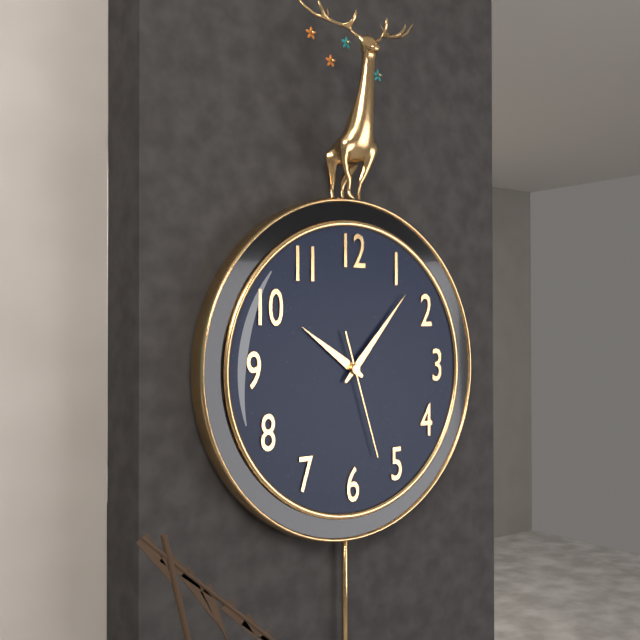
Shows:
10h07m27s
